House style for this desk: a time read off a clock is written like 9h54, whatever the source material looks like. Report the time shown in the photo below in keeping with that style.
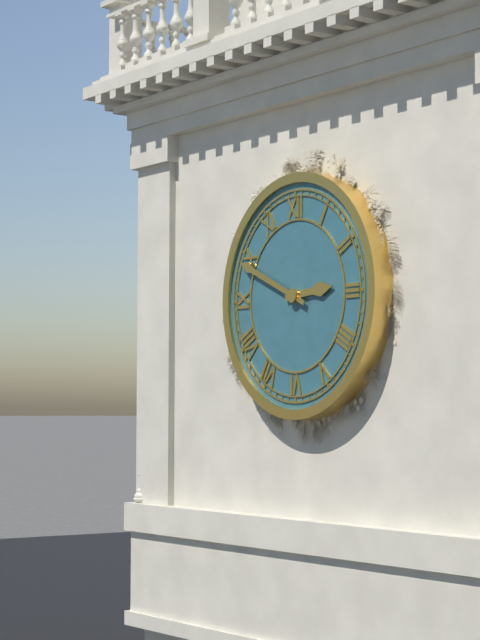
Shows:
2h49
